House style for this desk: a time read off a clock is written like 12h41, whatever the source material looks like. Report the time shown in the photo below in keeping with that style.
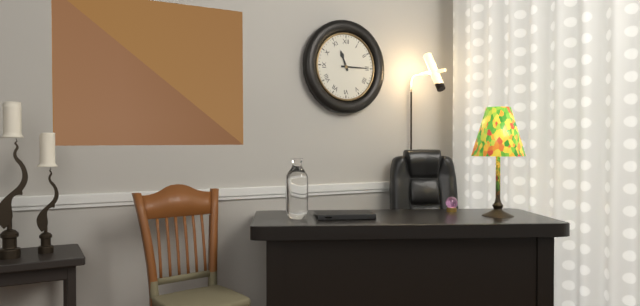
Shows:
11h15
